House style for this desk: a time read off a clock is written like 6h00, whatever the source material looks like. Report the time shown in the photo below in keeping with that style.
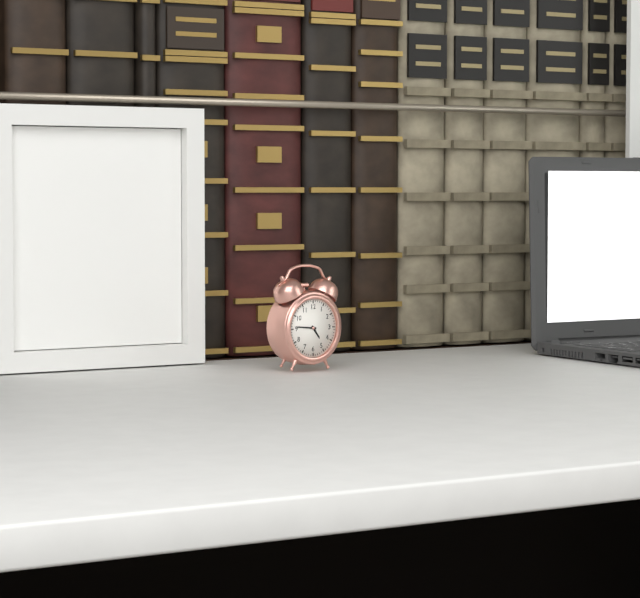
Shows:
4h46
